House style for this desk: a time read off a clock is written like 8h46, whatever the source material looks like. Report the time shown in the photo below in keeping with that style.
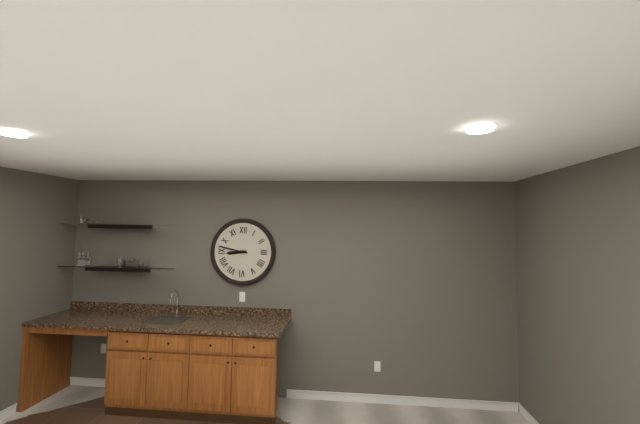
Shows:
8h47
